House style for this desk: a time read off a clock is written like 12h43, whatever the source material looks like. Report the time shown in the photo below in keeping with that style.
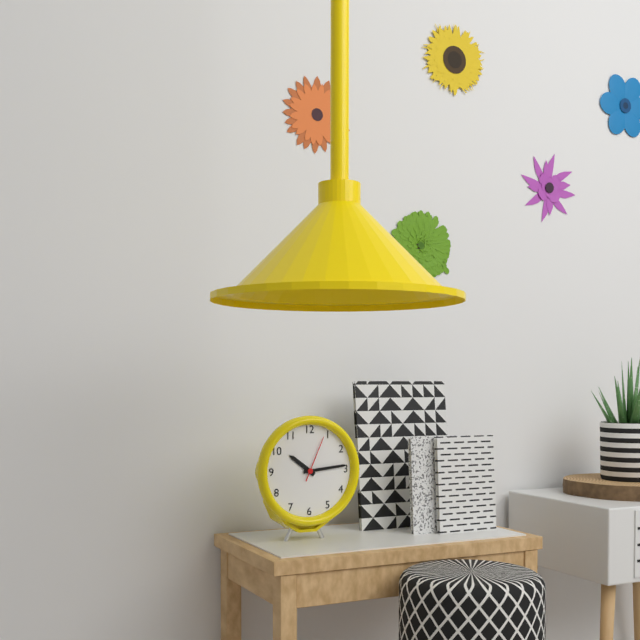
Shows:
10h14
